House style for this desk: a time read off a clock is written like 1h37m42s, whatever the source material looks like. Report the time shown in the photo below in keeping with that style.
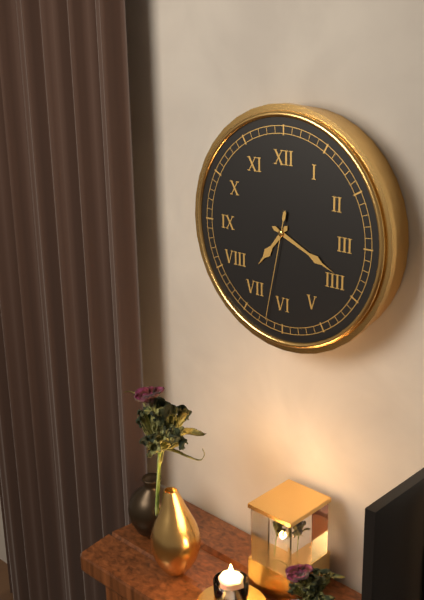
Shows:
7h19m32s
